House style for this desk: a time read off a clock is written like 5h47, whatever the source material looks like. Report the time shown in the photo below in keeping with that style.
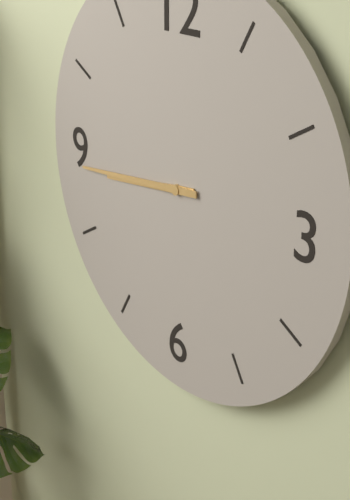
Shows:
8h44
